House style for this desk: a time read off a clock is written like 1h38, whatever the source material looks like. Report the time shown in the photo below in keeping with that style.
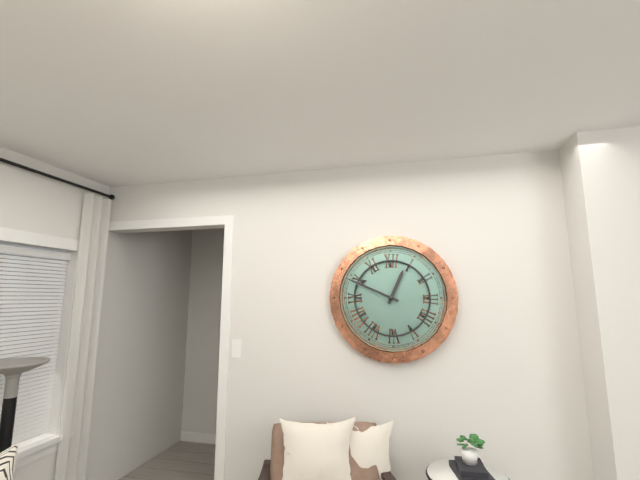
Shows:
12h49
